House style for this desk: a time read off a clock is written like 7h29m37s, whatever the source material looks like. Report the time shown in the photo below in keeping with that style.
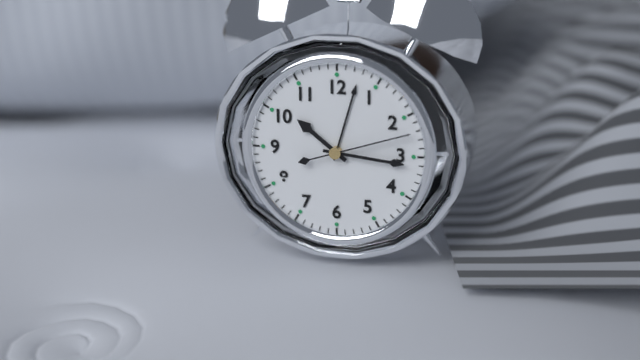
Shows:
10h16m12s
